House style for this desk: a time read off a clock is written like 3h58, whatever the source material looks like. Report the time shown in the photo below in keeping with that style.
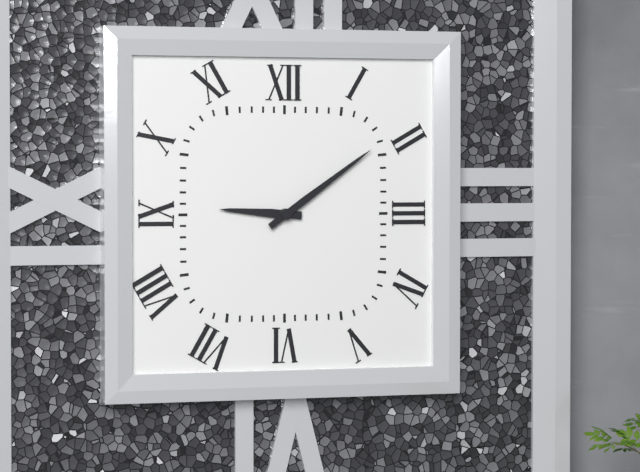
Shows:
9h09
